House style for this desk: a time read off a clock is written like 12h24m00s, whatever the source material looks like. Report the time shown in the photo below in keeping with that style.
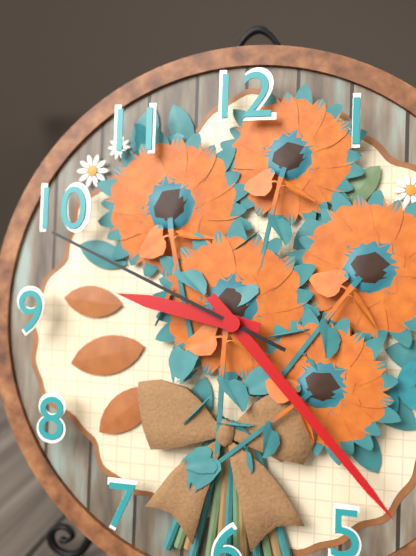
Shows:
9h23m49s
